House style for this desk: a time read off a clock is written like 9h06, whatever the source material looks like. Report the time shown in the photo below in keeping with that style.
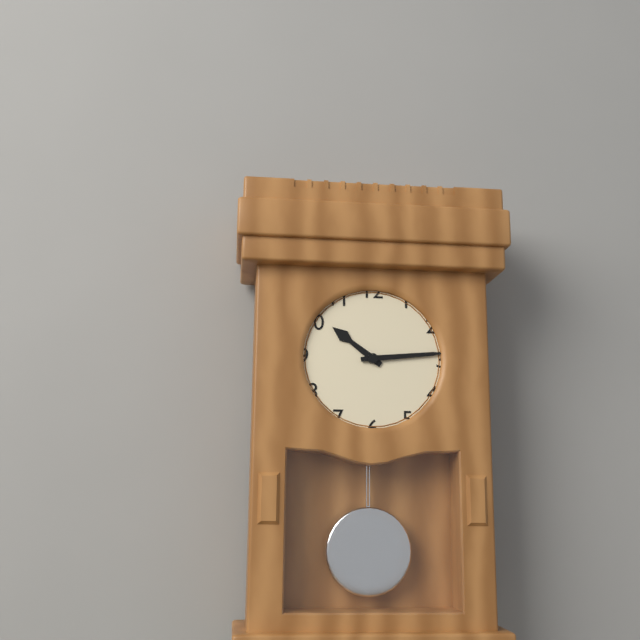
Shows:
10h14
